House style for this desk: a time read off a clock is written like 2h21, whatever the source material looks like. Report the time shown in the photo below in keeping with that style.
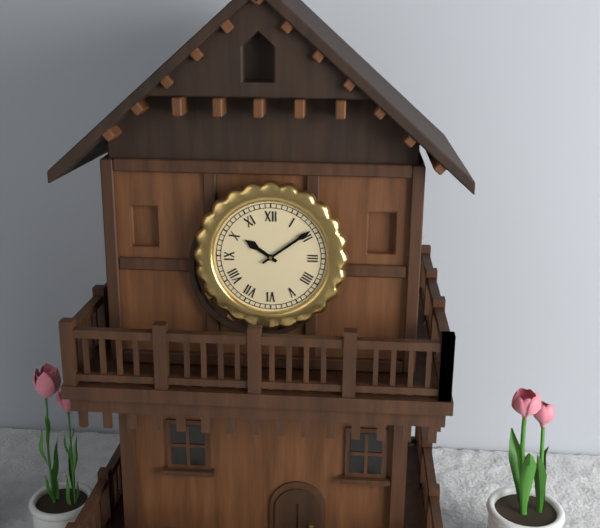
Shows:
10h09
